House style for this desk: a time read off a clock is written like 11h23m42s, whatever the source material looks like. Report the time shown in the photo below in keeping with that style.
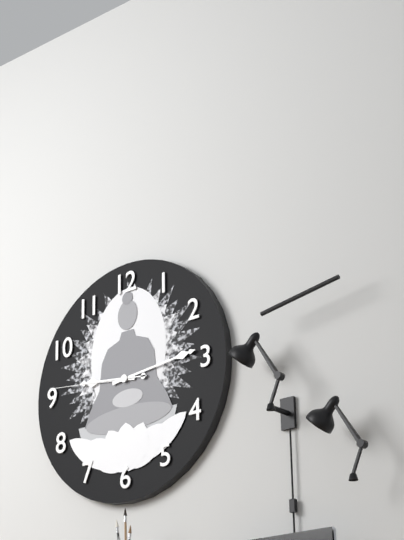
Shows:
9h14m46s
